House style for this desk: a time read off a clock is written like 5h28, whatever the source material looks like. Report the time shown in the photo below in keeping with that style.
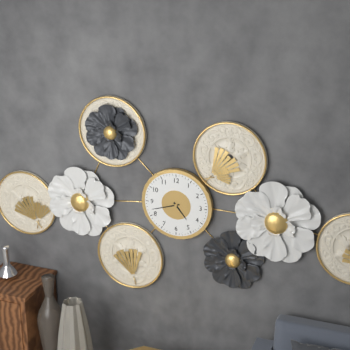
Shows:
4h42
